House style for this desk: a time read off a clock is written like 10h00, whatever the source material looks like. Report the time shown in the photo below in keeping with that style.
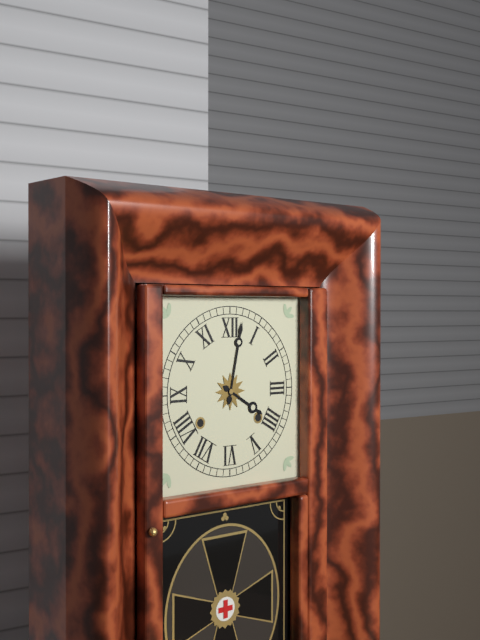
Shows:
4h02
